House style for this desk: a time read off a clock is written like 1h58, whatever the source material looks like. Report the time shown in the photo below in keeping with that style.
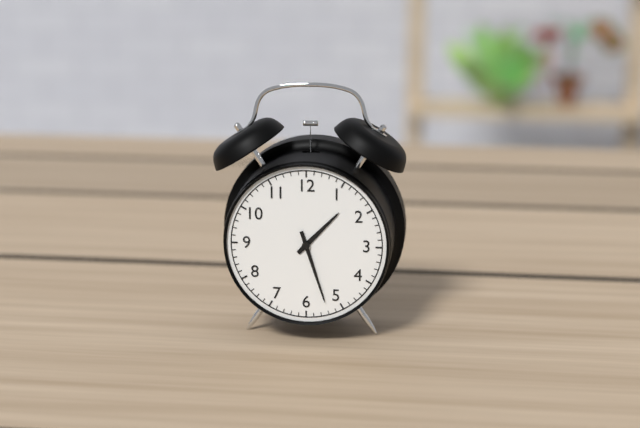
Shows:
1h27
